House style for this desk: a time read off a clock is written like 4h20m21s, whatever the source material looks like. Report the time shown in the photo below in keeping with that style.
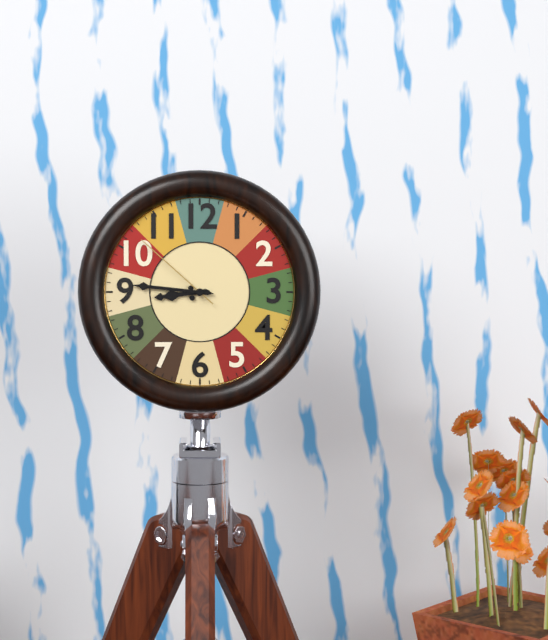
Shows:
8h46m52s
